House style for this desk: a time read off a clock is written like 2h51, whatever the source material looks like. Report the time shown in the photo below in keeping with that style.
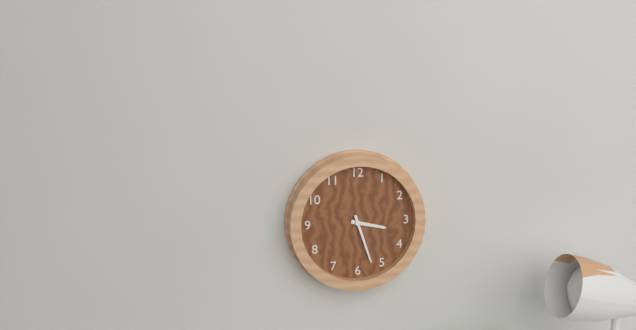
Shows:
3h27
